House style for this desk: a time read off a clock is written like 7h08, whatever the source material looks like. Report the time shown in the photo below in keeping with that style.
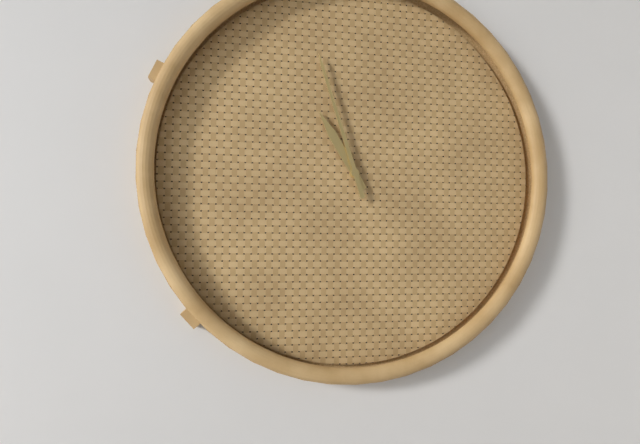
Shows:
10h57
